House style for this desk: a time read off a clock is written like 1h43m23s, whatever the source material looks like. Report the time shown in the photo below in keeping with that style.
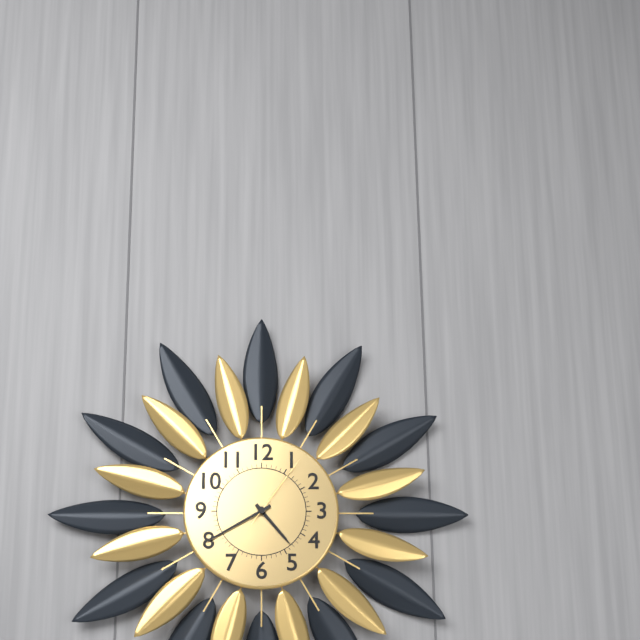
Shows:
4h40m06s
